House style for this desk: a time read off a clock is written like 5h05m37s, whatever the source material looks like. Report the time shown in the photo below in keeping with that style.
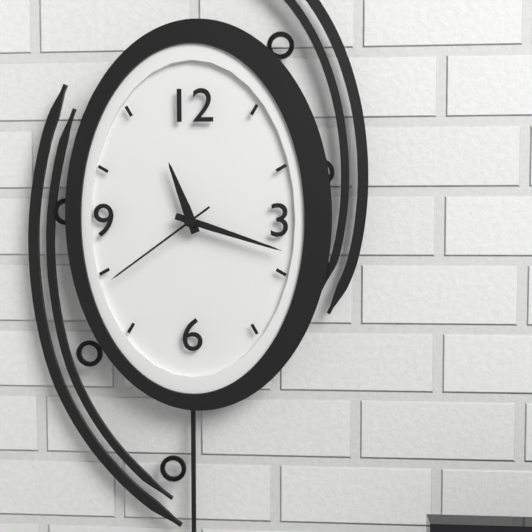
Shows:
11h18m39s
